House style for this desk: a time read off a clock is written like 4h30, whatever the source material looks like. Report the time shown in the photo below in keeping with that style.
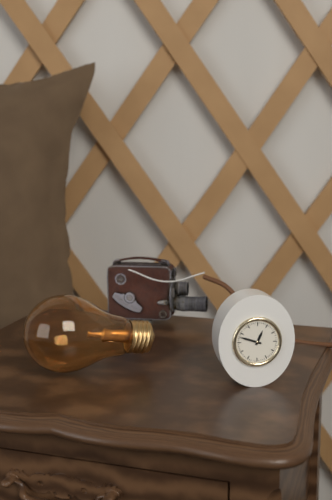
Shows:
12h48
